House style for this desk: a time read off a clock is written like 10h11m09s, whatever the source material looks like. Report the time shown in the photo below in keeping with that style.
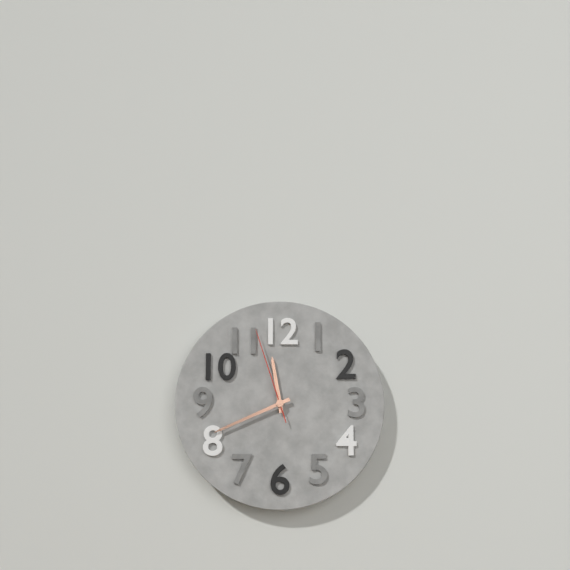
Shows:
11h41m57s
